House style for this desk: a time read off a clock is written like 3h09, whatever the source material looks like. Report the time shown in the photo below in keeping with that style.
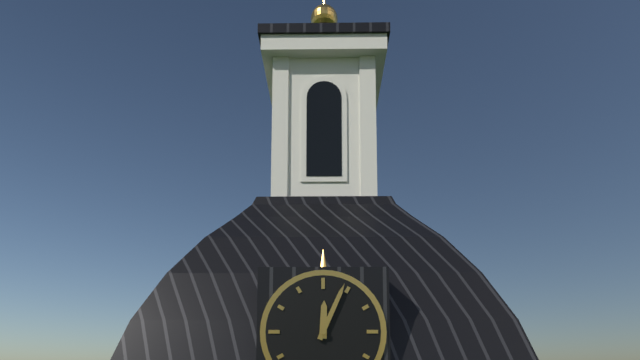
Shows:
12h04
